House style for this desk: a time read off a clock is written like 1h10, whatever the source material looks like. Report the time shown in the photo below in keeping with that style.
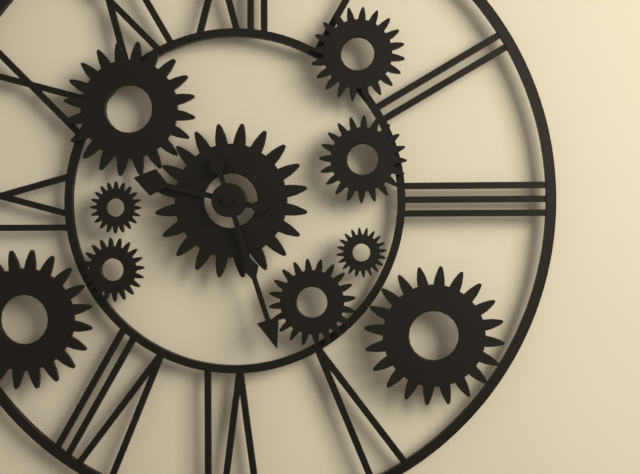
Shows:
9h27
